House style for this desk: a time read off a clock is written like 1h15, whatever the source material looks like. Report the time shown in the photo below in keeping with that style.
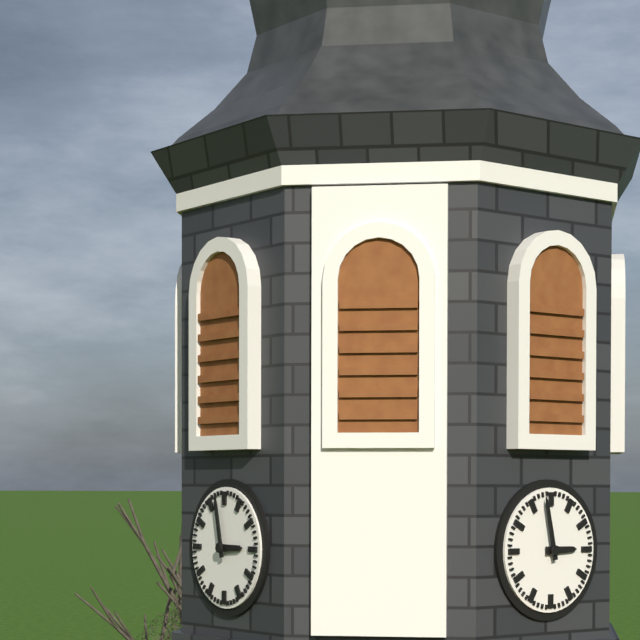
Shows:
2h58
